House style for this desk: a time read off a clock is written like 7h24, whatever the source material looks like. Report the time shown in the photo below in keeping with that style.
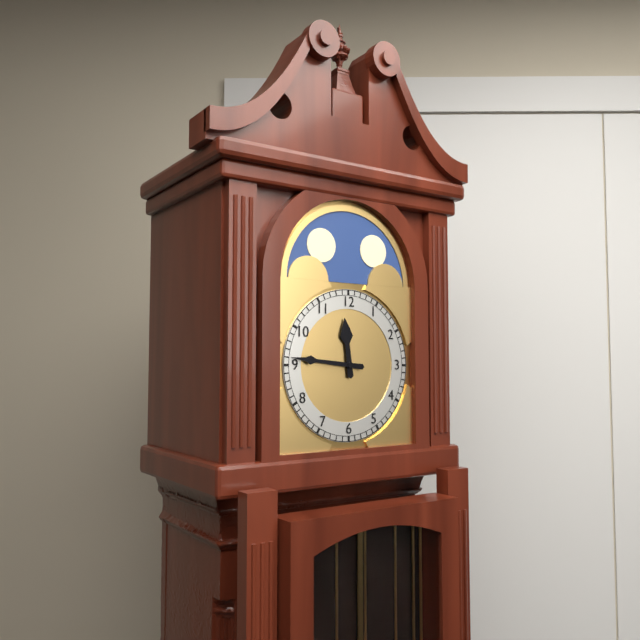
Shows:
11h46
